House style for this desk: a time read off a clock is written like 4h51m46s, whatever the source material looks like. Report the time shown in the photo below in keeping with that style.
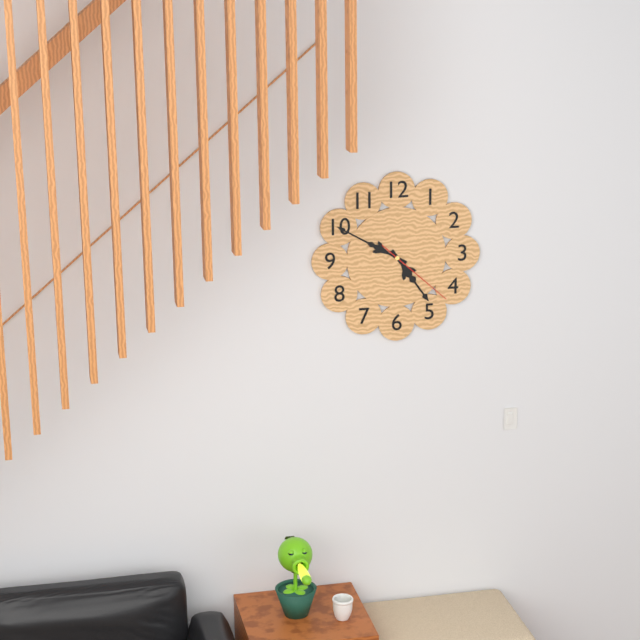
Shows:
4h50m22s
